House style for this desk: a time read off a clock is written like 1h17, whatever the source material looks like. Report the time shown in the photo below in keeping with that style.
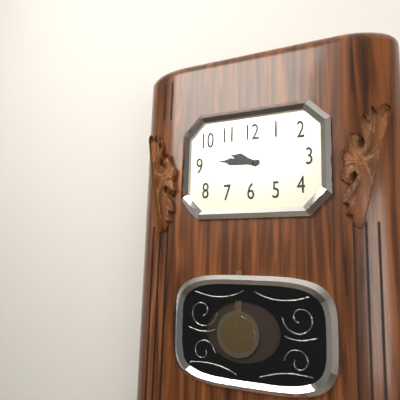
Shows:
9h46
